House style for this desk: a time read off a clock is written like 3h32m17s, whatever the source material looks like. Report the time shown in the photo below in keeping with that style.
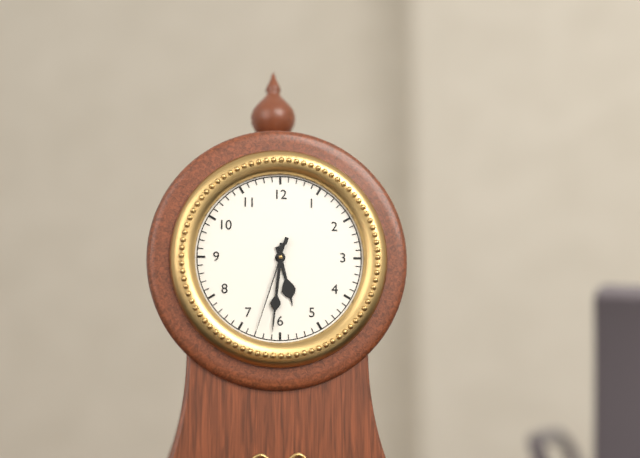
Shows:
5h31m33s
